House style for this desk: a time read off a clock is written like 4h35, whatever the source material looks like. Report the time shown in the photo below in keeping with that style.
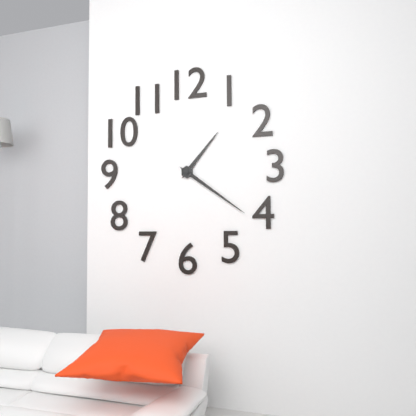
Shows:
1h21
